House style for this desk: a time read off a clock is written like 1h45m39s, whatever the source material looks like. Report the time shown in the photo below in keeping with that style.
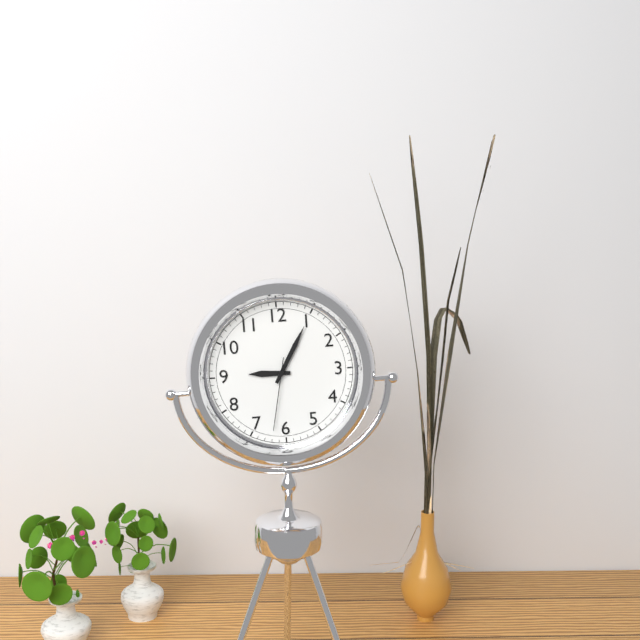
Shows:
9h05m32s
